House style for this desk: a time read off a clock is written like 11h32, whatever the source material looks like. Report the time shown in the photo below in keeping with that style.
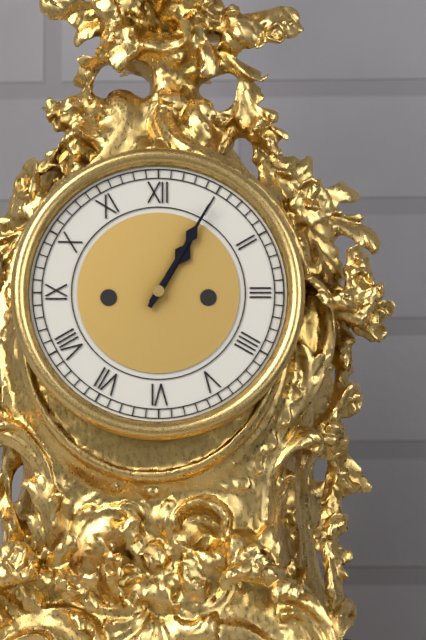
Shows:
1h05
